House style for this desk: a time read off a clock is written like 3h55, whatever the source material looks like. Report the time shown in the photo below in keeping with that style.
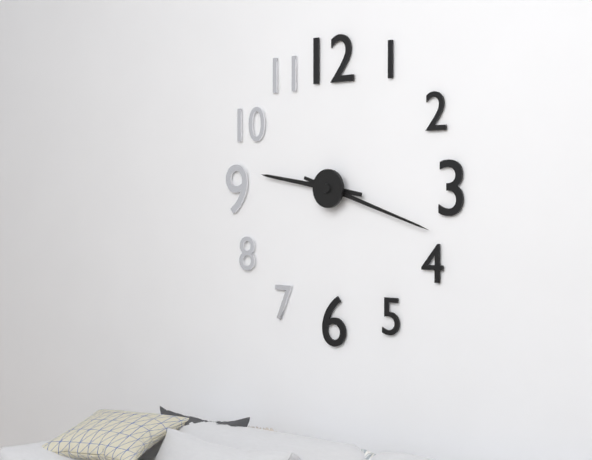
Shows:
9h18
